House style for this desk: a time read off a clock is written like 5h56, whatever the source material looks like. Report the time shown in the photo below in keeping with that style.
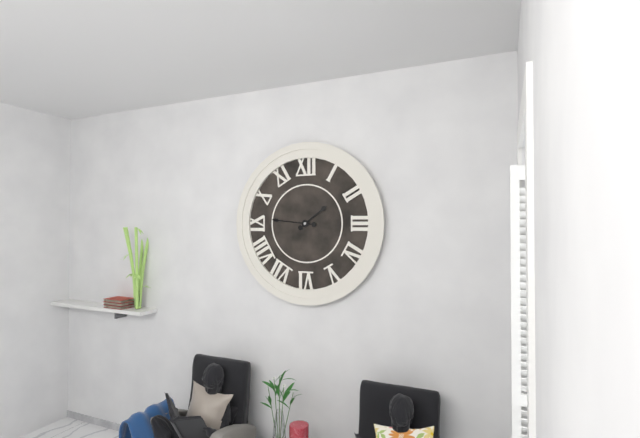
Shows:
1h46
